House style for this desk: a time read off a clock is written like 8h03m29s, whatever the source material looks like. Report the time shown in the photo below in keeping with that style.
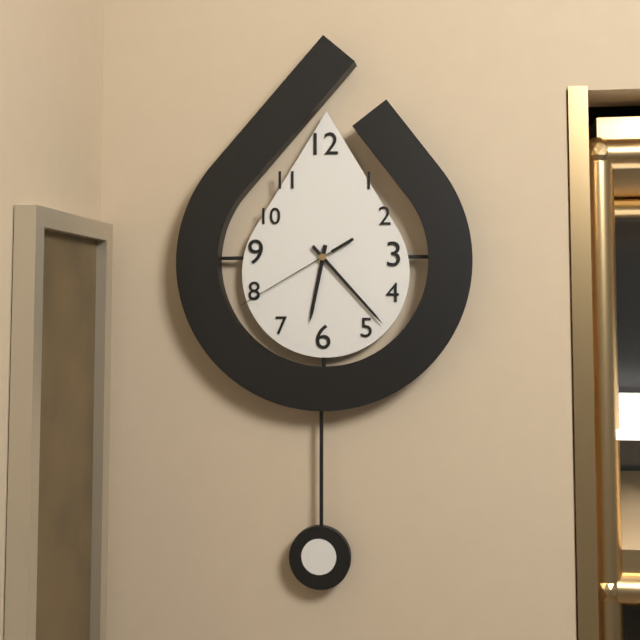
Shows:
6h23m40s
